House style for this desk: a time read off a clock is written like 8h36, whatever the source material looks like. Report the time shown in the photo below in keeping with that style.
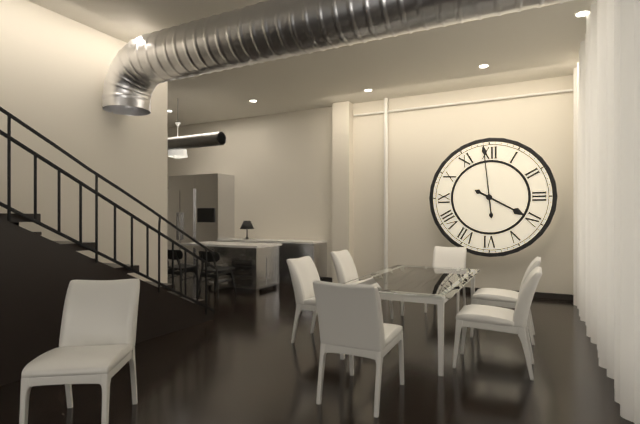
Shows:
3h59
